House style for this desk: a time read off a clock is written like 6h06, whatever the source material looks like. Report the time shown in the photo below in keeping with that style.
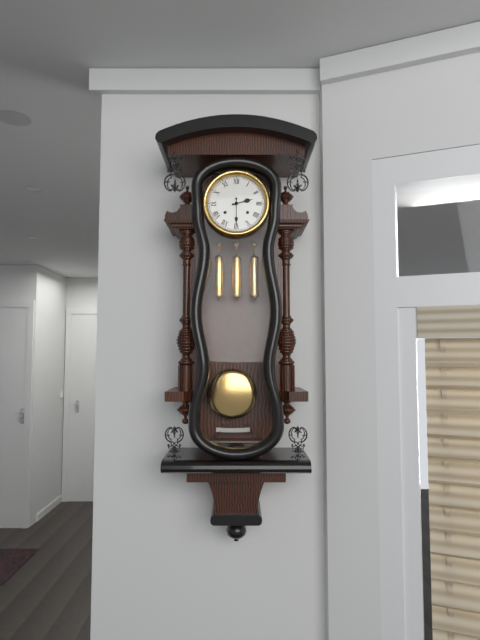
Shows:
2h30
